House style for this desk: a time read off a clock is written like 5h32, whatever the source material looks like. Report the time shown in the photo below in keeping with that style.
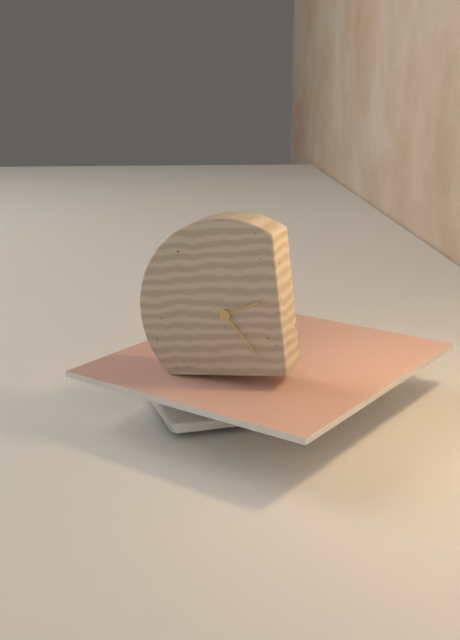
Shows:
2h24
